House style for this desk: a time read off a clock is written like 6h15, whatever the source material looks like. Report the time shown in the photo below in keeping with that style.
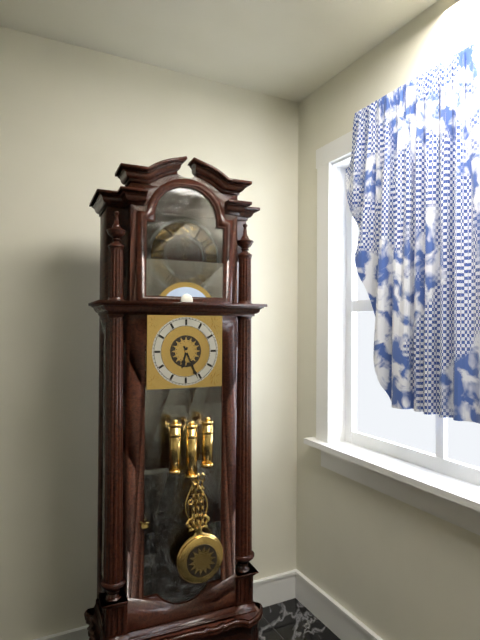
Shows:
6h26
